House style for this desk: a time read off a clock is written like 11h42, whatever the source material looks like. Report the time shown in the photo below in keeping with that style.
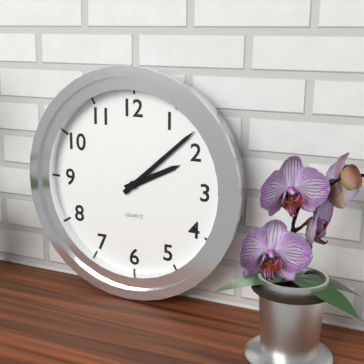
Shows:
2h08
